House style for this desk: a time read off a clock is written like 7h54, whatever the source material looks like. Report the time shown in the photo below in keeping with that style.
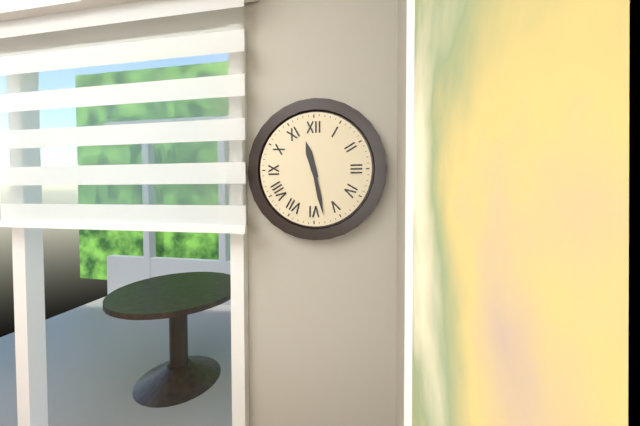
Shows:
11h28
